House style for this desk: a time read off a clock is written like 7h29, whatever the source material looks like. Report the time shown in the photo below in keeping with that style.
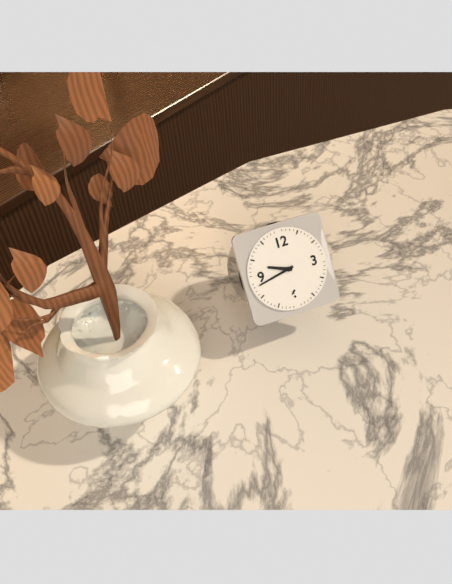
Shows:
9h43
